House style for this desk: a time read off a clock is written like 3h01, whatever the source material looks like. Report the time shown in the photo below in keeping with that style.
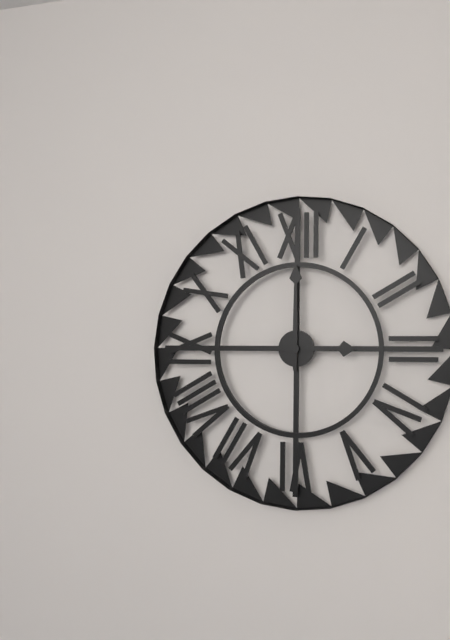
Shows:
3h00
